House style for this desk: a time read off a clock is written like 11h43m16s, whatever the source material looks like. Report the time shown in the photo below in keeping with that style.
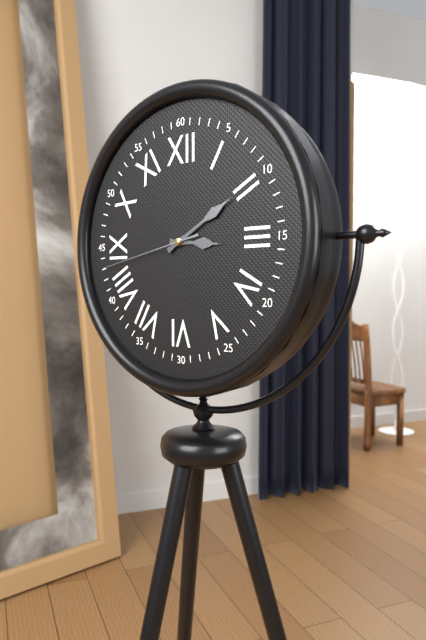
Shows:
3h10m43s
